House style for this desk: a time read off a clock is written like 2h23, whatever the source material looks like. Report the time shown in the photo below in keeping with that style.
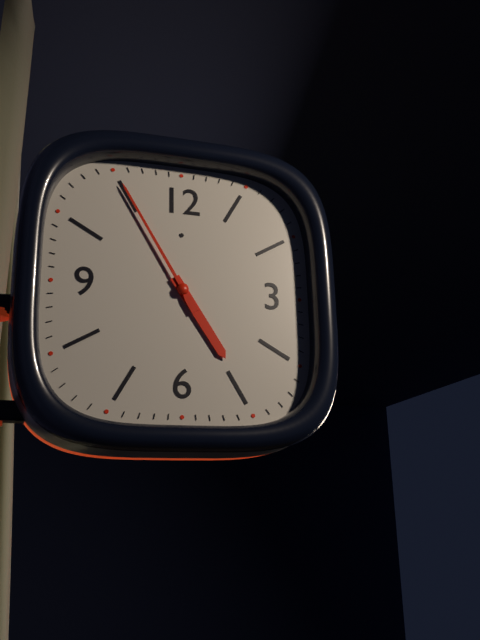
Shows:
4h55
